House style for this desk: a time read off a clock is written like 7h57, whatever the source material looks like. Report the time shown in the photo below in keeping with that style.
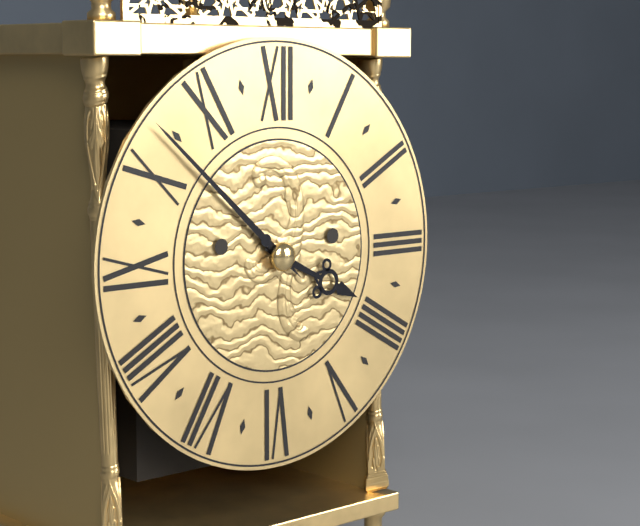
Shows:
3h52
